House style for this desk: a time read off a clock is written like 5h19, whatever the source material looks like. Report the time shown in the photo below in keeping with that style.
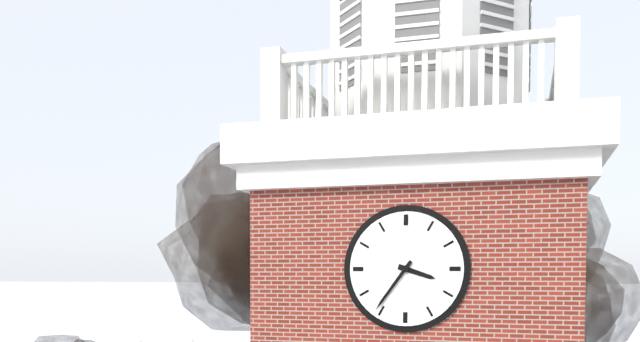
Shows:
3h36
